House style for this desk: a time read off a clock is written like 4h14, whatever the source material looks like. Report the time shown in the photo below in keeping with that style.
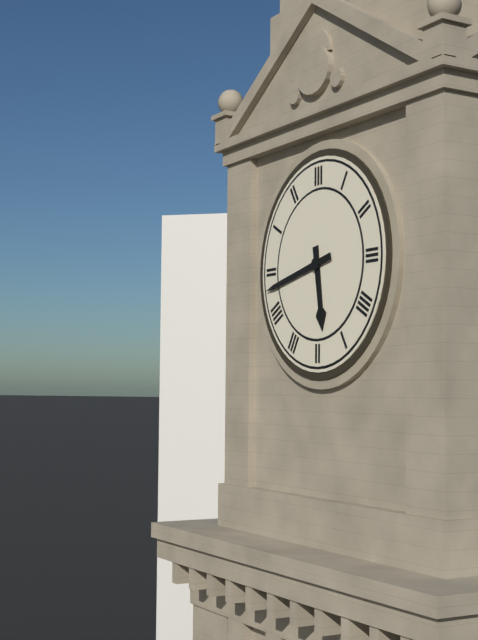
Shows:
5h43
